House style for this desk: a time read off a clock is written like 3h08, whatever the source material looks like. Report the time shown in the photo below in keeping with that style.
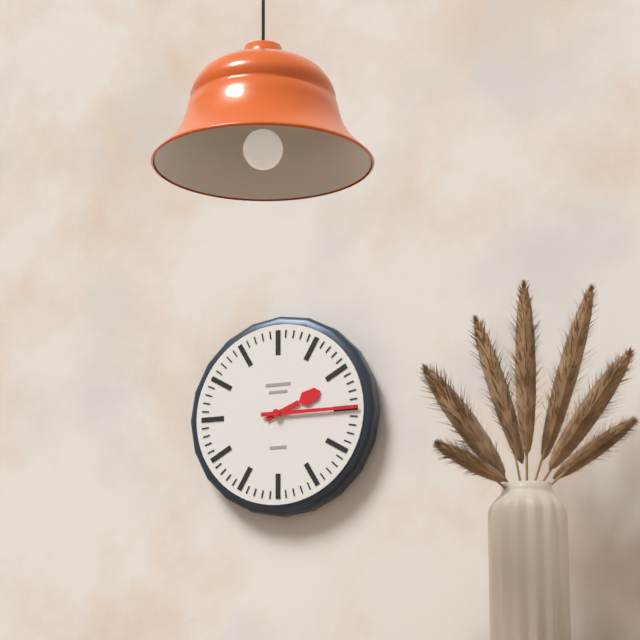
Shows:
2h15
